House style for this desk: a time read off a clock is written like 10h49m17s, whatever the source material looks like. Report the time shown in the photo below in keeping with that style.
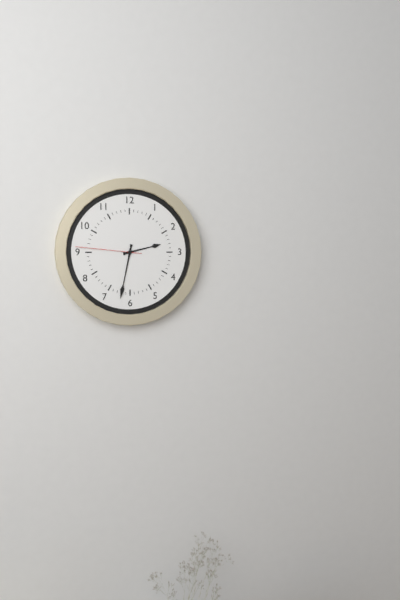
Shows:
2h32m46s
